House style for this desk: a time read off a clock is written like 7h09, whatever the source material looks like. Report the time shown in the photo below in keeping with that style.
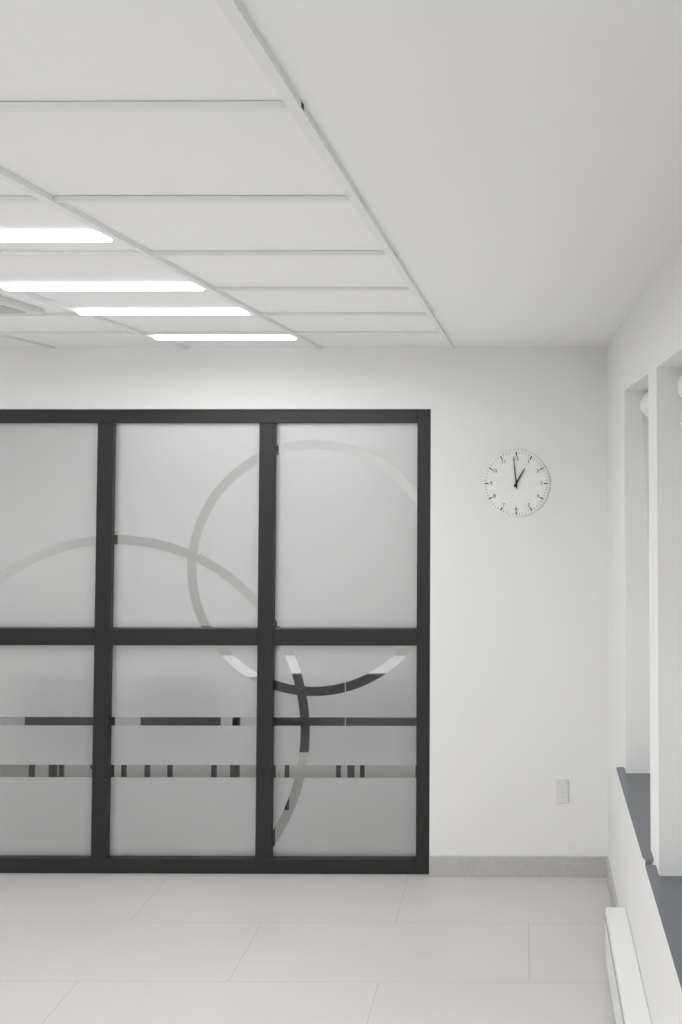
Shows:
12h59
